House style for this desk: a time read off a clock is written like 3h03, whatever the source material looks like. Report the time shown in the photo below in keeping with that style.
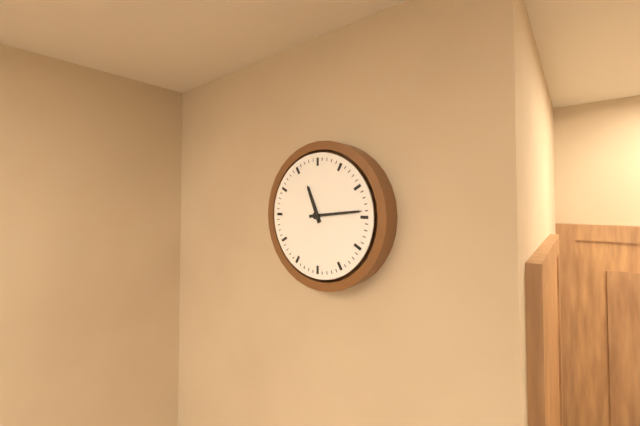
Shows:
11h14
